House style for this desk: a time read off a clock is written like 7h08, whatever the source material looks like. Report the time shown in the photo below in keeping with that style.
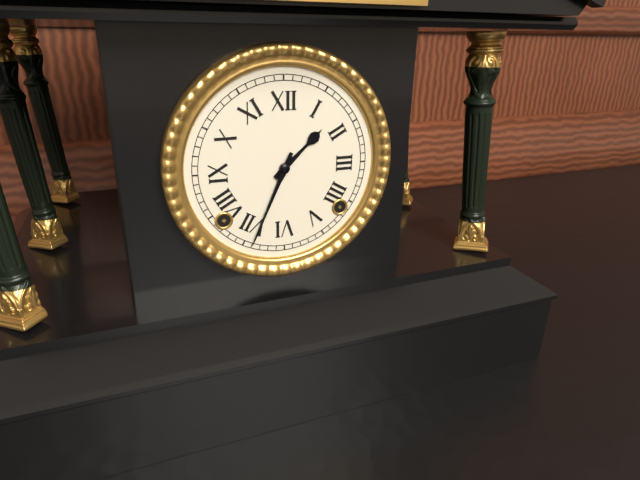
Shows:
1h34
